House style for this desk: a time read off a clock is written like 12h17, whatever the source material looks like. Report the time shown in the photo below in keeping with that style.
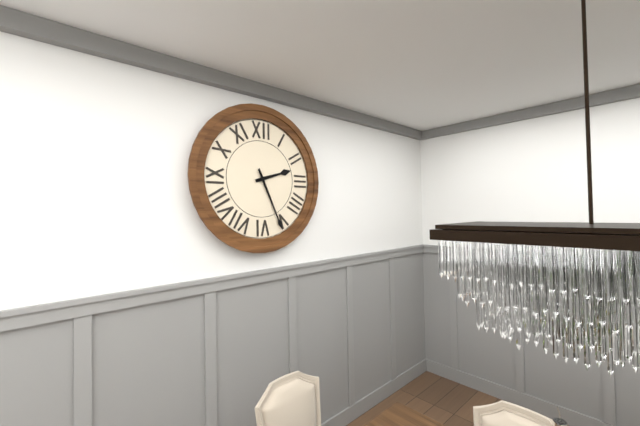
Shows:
2h26
